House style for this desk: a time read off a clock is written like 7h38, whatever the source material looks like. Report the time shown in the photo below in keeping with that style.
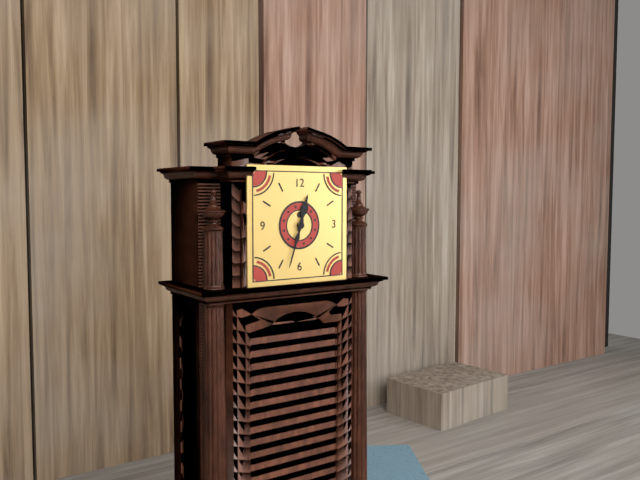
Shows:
12h33
